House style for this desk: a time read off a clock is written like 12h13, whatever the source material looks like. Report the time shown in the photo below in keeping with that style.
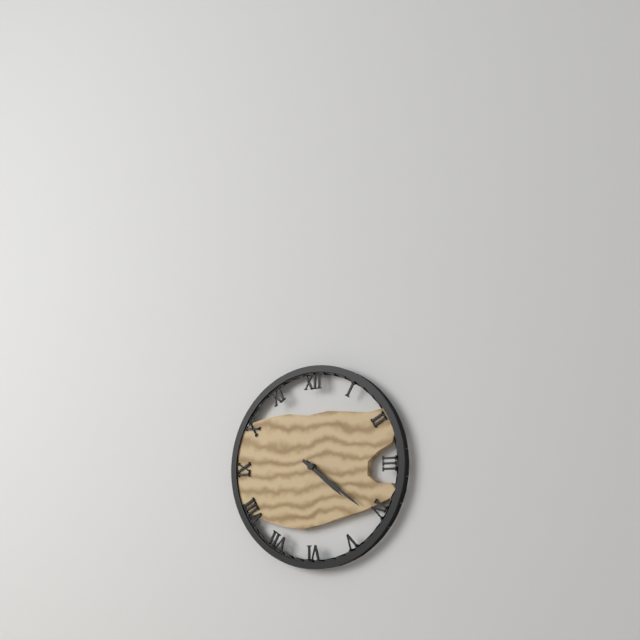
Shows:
4h21
